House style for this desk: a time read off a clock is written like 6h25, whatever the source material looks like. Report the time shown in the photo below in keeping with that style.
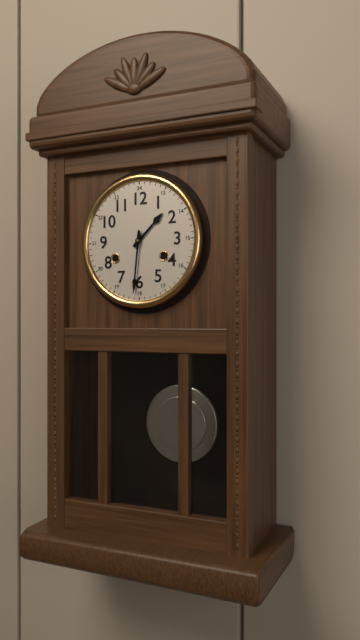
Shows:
1h31
